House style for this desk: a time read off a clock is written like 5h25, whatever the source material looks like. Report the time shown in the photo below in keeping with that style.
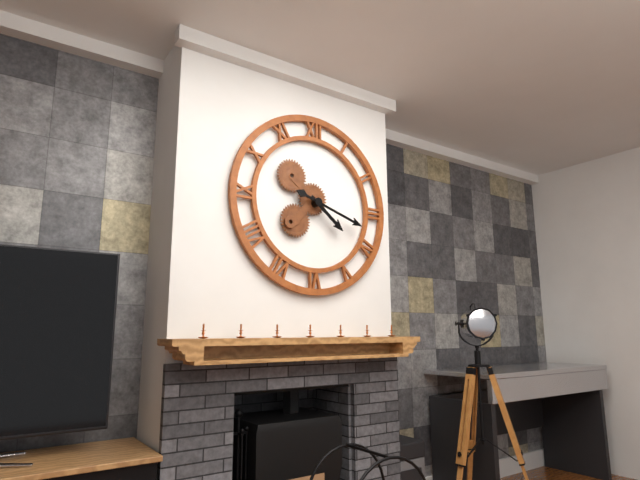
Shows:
4h18
